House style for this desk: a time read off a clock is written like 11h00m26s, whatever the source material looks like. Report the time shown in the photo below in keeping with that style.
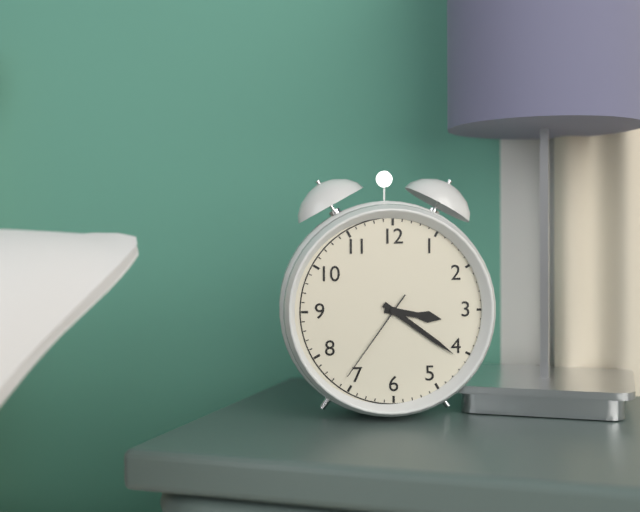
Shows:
3h21m36s
